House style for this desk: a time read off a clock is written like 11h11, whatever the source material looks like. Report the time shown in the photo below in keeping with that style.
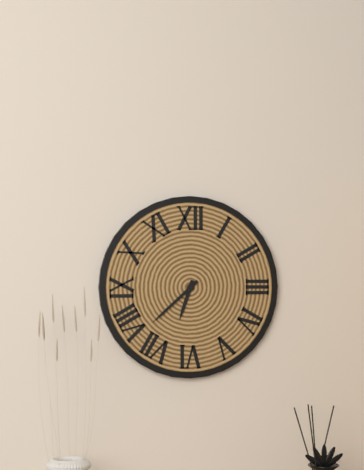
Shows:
6h38
